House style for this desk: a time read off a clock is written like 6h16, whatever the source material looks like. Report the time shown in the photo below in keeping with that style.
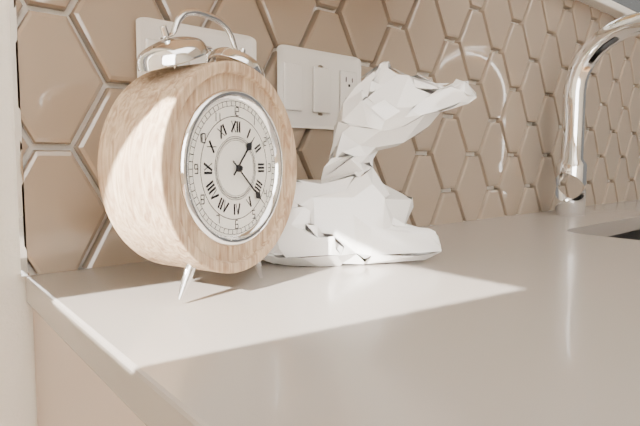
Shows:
1h22
